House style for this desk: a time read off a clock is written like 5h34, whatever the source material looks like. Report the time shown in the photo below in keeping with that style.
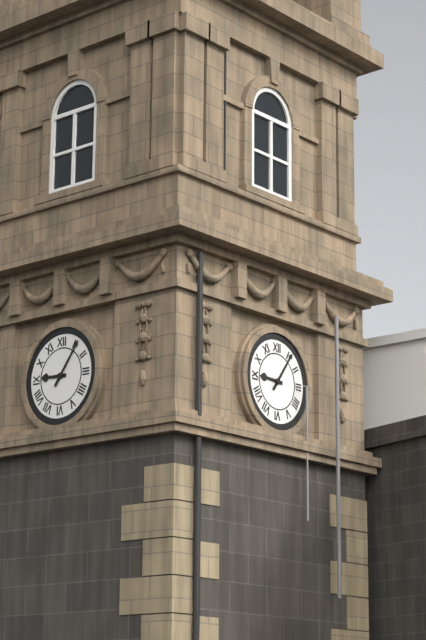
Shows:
9h06
